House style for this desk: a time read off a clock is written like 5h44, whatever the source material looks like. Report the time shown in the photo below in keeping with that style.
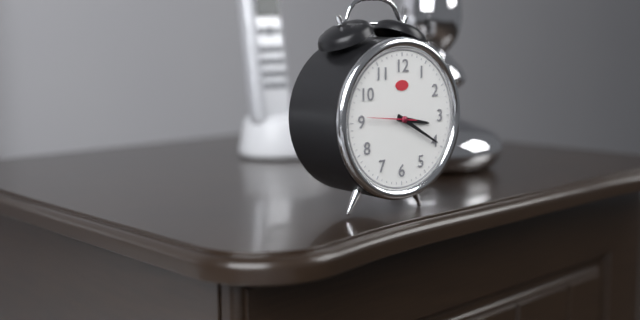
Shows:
3h20
